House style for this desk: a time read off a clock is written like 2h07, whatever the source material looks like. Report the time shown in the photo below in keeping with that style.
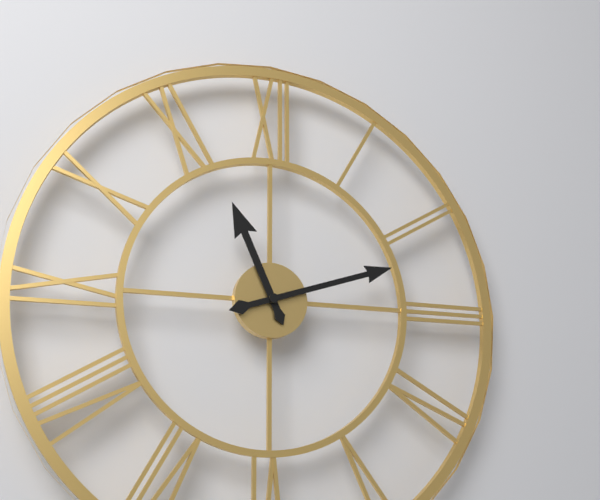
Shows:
11h12
